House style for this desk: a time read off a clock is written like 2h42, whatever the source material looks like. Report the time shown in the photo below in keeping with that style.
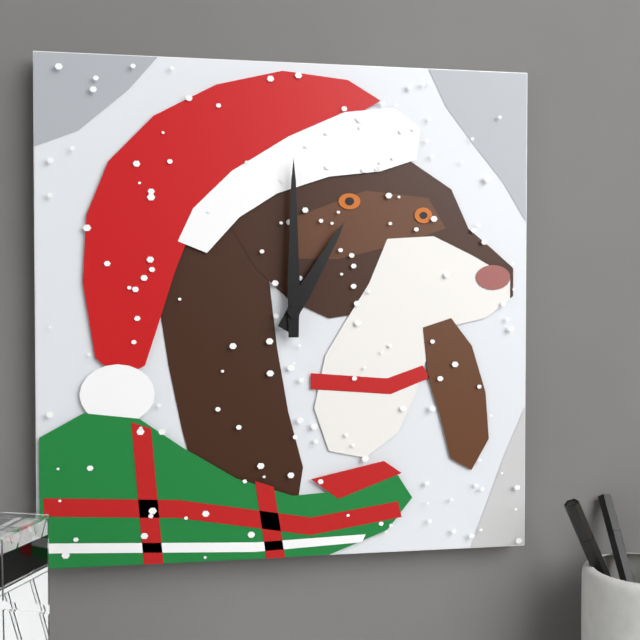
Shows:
1h00
